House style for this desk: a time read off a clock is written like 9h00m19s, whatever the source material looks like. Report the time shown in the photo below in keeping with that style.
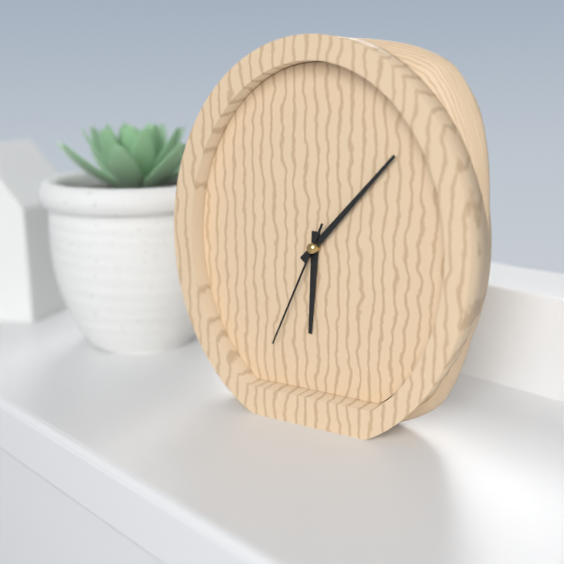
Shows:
6h07m34s
